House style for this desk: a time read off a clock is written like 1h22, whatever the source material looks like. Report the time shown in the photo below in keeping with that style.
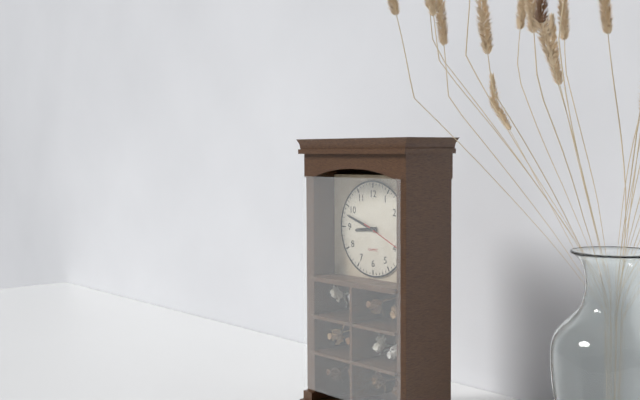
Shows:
8h48
